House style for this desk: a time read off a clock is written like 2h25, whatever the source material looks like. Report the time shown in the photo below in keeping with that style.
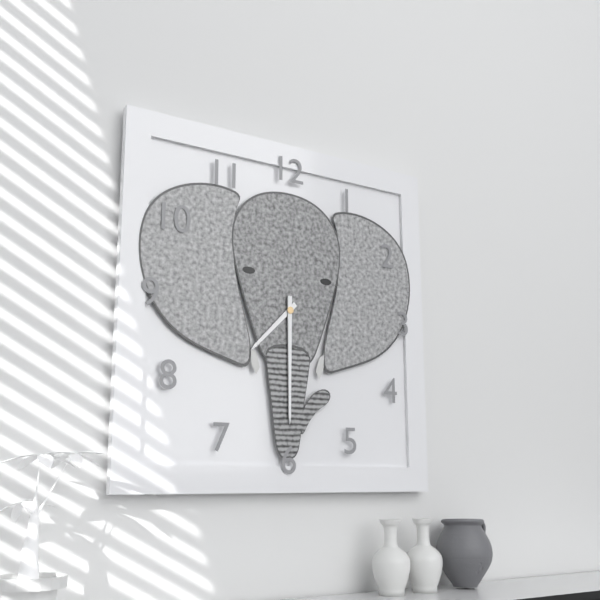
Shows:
7h30
